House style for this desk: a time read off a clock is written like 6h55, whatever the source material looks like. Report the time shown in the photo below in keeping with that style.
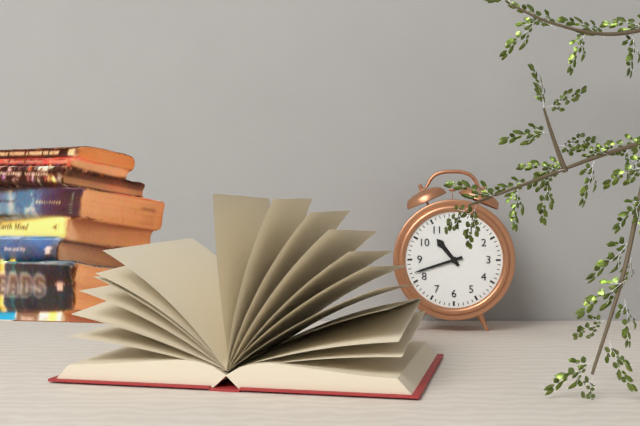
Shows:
10h42
